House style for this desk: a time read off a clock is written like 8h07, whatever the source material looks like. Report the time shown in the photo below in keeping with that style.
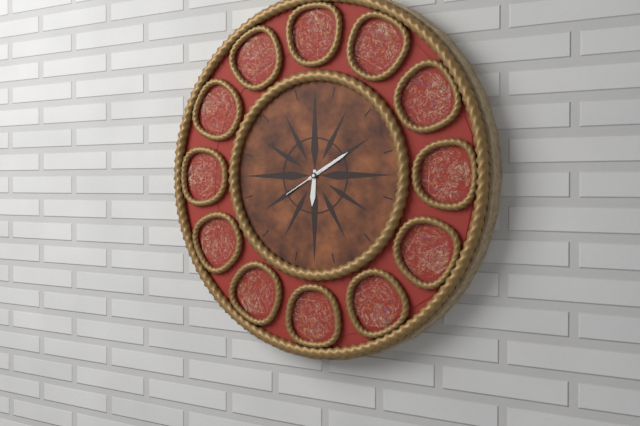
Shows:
6h10
